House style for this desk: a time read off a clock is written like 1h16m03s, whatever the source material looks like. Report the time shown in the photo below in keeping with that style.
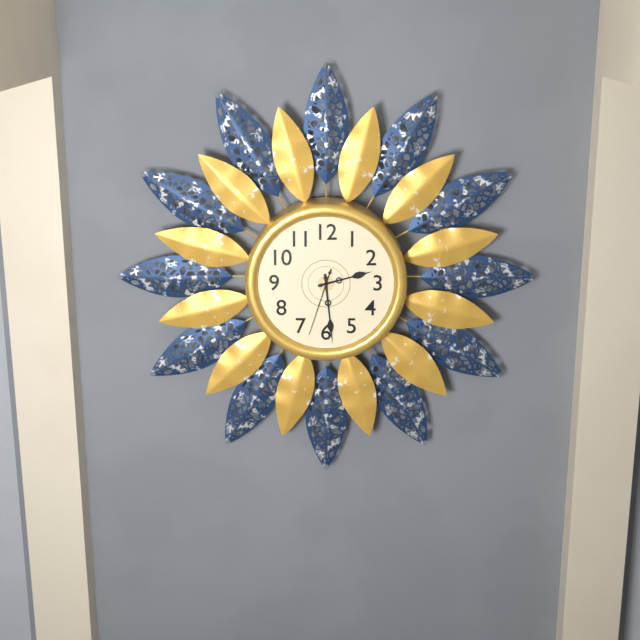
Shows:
2h29m33s
